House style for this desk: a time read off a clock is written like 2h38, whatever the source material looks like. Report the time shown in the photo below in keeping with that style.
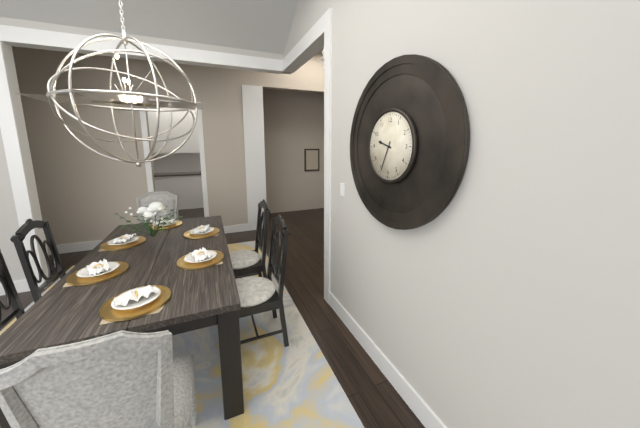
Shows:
9h34
